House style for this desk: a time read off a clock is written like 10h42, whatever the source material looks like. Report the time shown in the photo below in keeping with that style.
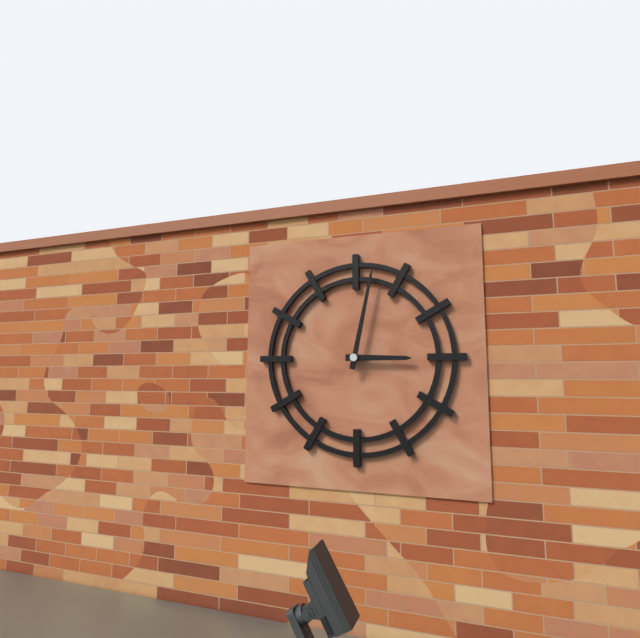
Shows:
3h02
